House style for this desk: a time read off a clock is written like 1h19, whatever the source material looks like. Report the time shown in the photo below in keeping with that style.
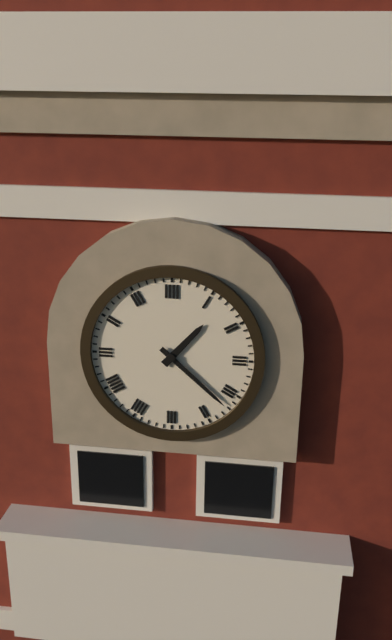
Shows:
1h22
